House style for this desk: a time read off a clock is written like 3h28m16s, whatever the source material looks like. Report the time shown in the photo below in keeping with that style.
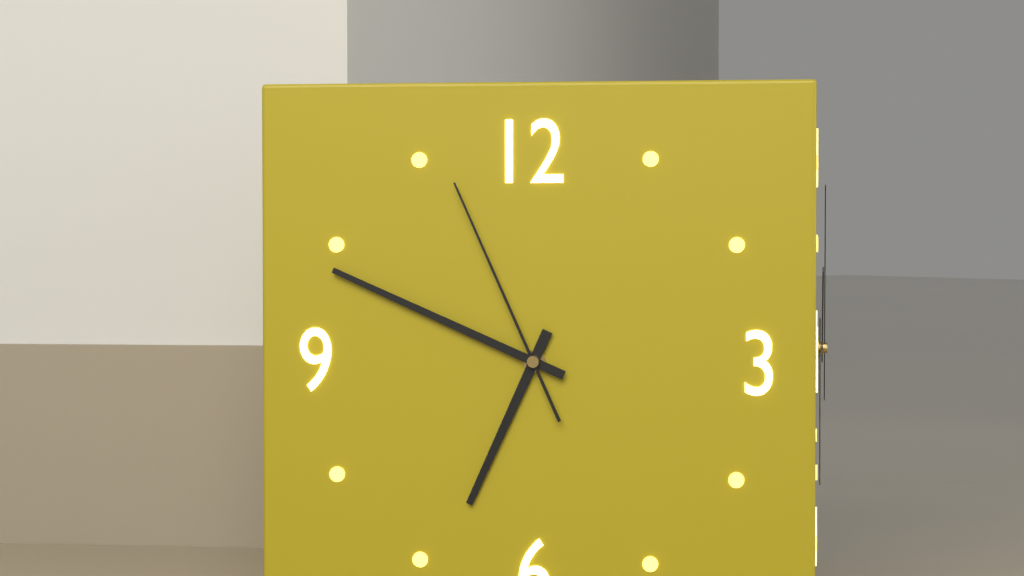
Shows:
6h49m56s
